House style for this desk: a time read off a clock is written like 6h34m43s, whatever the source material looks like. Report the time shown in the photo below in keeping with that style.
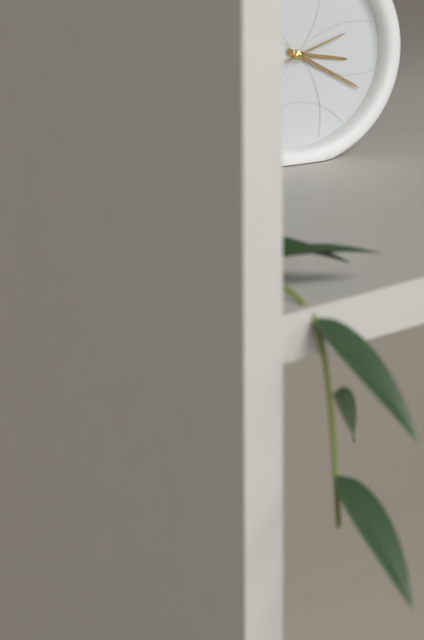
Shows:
3h20m12s
